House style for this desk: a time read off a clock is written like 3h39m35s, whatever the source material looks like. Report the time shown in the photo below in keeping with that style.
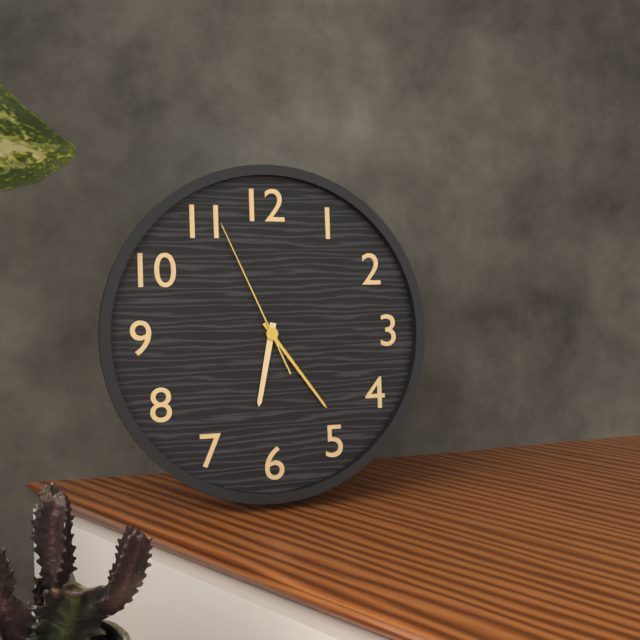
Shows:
6h24m56s
